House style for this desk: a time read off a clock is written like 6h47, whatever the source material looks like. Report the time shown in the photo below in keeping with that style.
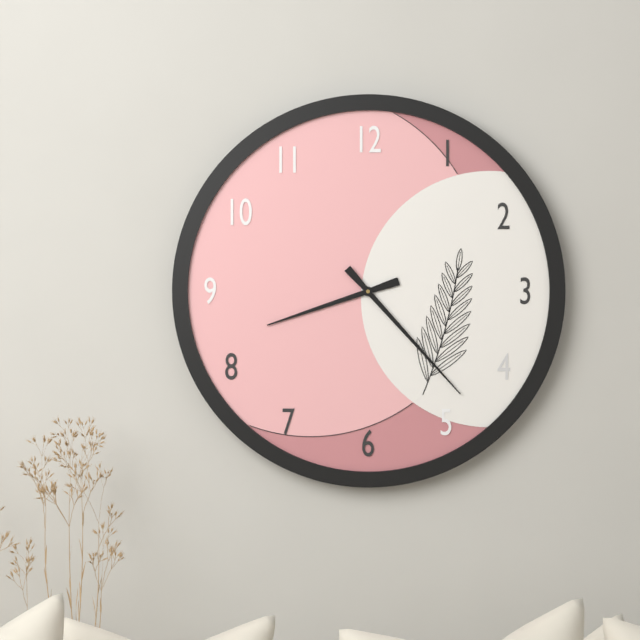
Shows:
8h23
